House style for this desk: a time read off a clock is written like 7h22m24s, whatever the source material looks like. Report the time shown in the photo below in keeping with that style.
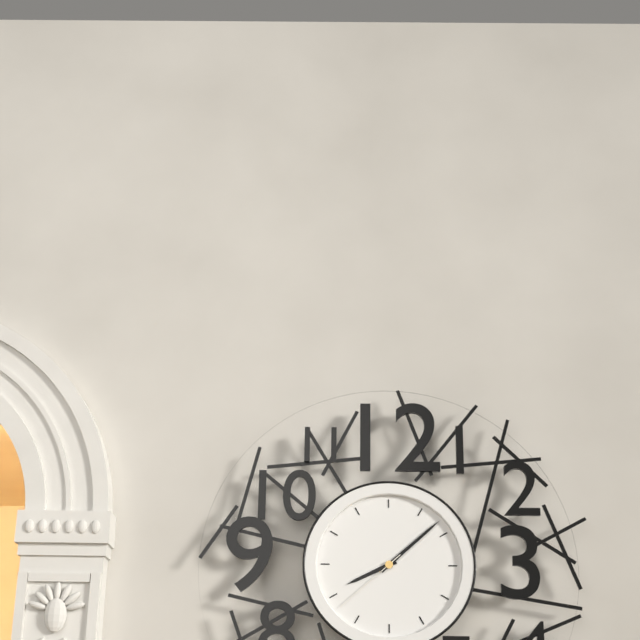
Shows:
8h08m38s
